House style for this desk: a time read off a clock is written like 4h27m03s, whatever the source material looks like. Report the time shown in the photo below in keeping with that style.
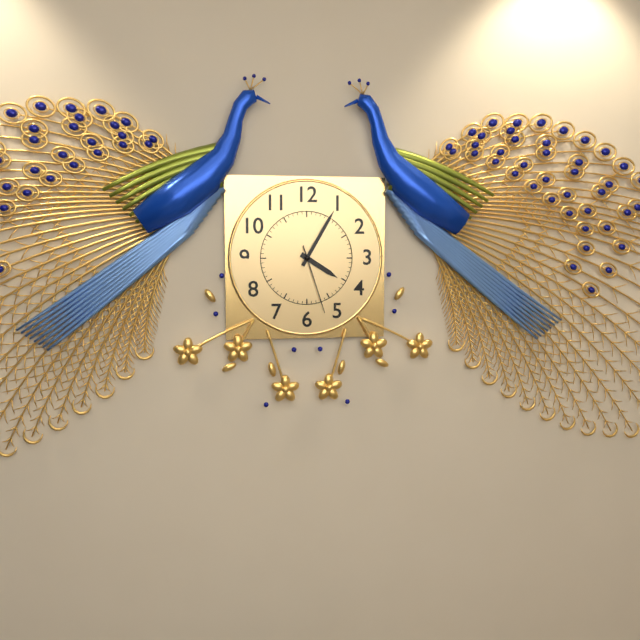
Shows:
4h05m27s
